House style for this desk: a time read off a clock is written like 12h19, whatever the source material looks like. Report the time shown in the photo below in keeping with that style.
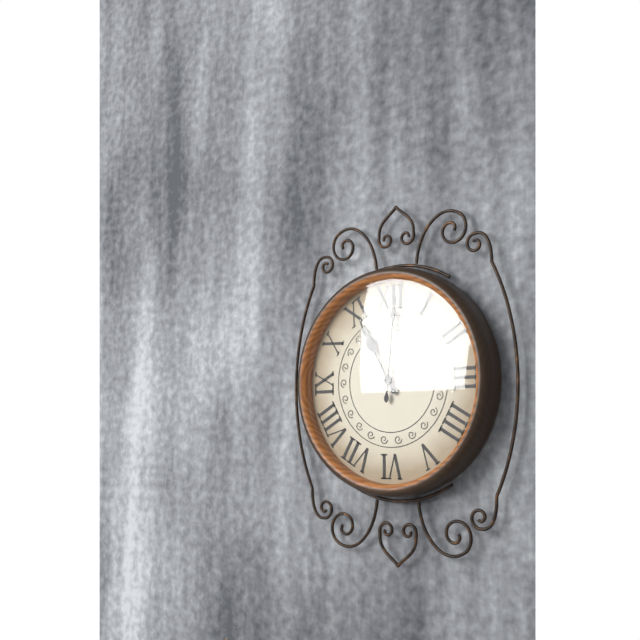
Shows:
11h01
